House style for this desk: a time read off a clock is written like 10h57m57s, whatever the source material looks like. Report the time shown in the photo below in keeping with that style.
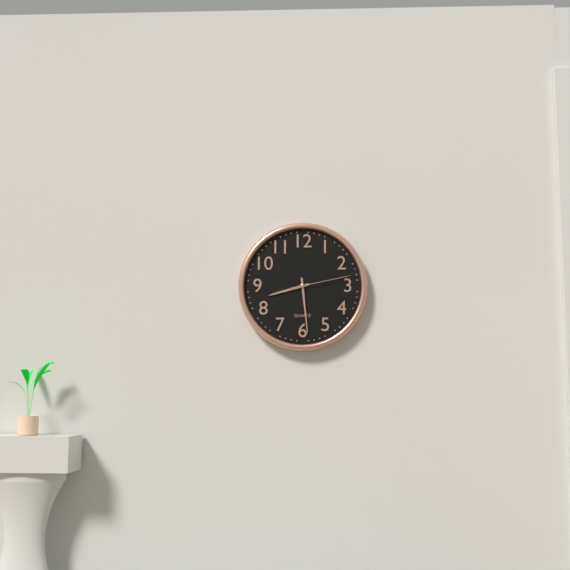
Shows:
8h29m13s
